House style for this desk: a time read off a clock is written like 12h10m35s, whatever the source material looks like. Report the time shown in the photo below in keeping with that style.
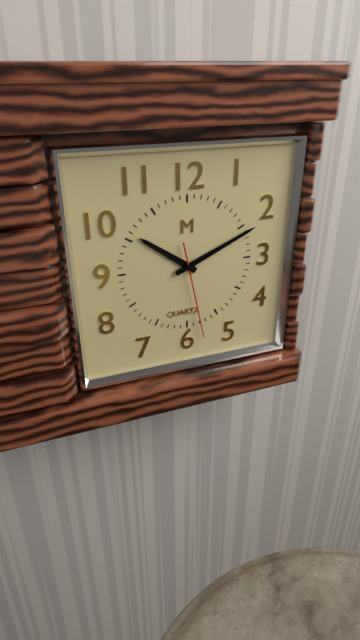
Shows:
10h11m28s
